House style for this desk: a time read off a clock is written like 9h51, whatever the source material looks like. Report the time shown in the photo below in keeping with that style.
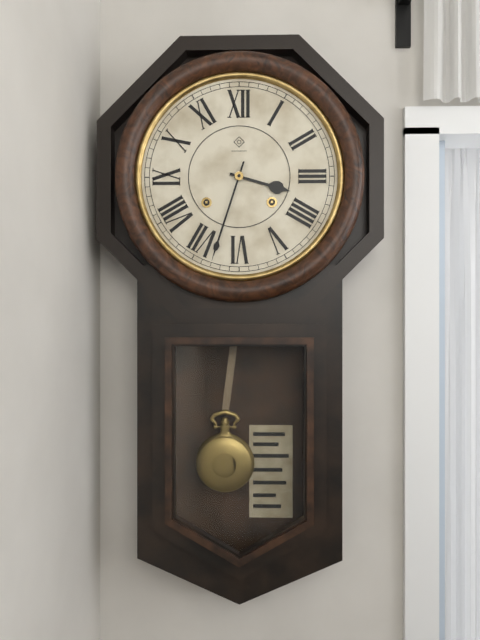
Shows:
3h33
